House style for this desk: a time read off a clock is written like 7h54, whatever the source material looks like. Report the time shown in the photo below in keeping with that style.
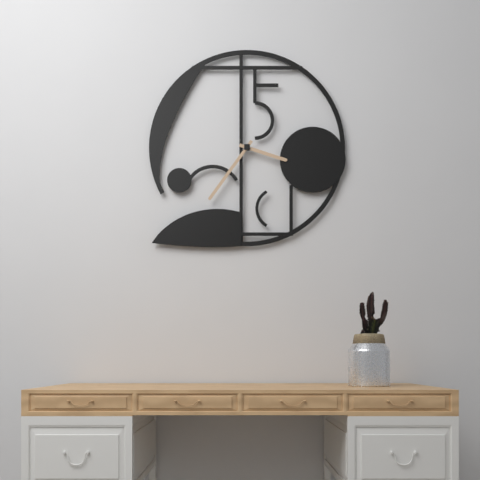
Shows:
3h36
